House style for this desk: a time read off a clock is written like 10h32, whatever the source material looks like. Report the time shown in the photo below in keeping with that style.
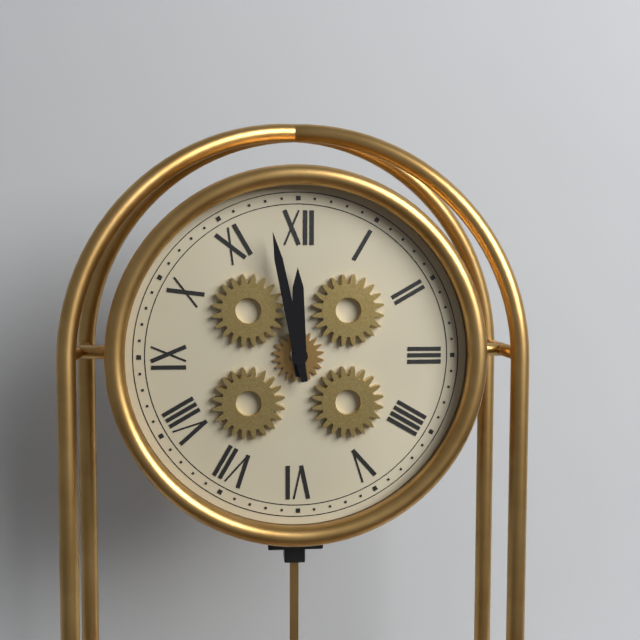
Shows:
11h58
